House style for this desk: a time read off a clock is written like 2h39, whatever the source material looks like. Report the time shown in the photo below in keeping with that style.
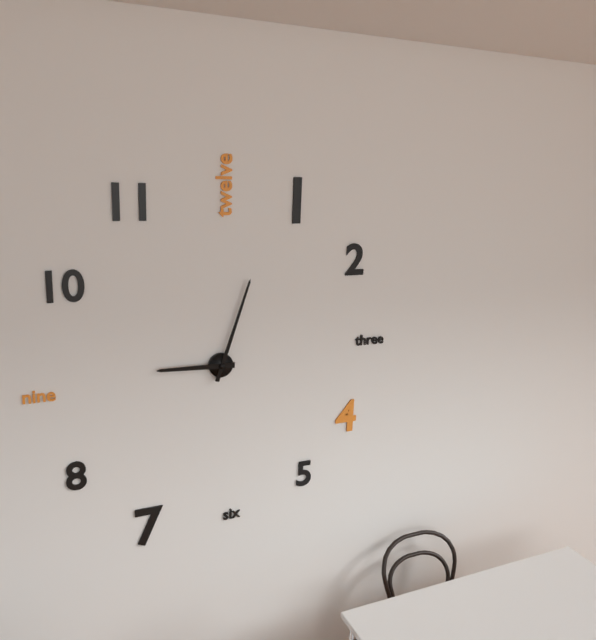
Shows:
9h03
